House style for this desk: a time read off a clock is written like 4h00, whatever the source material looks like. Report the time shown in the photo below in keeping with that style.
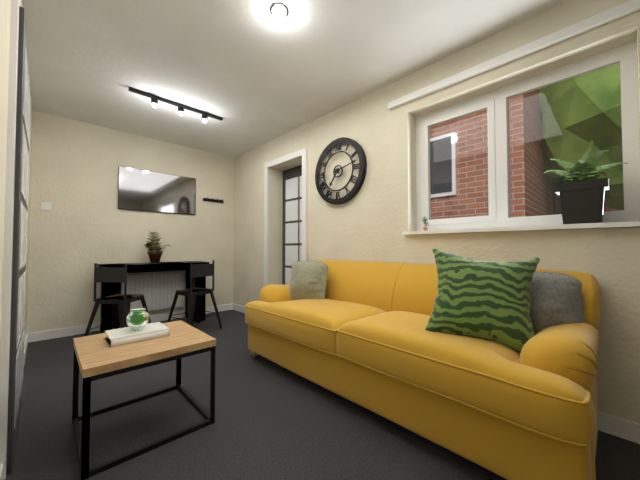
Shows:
7h13
